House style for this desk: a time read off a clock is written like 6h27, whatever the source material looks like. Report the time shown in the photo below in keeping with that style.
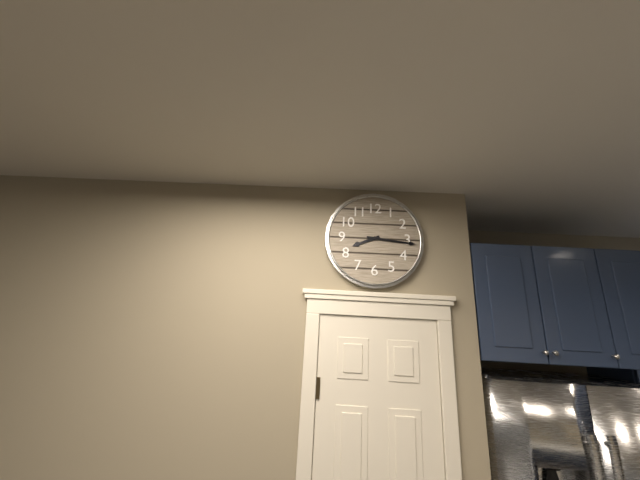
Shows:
8h16
